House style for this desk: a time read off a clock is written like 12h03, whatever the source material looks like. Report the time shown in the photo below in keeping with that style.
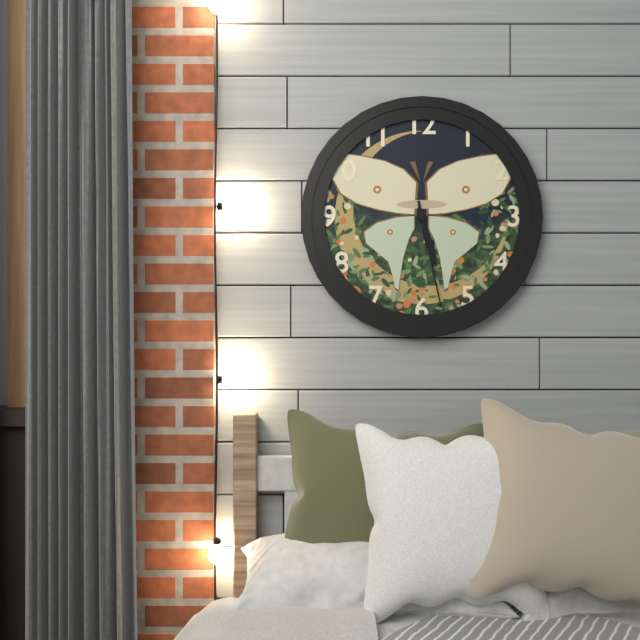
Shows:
5h28
